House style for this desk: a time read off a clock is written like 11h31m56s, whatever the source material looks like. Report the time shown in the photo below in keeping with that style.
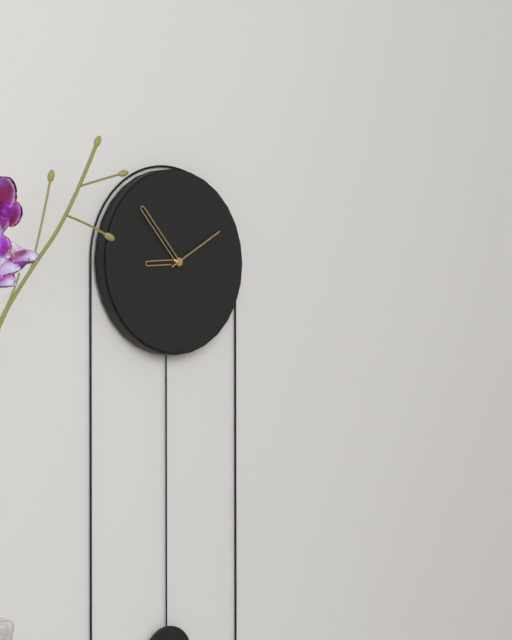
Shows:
8h53m10s
